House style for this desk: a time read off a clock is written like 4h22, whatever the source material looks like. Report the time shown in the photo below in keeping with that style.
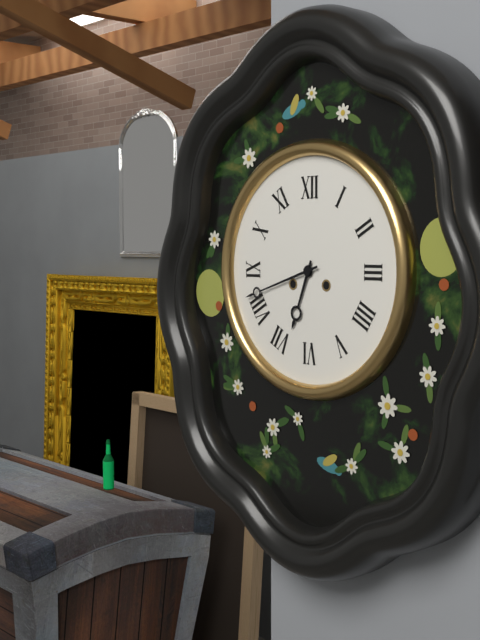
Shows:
6h42
